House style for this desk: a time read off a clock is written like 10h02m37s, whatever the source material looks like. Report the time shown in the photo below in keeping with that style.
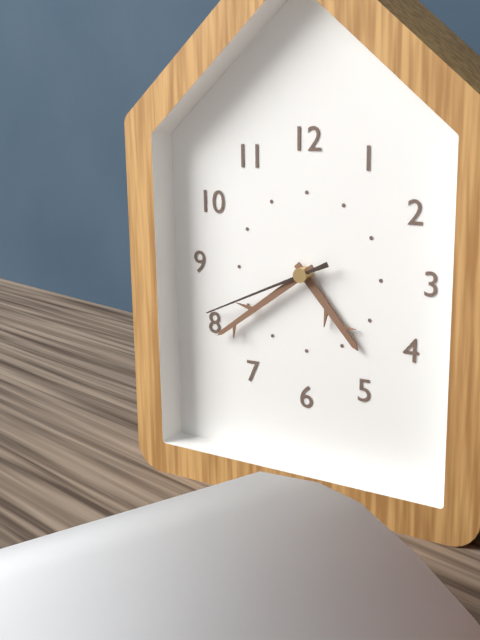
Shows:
4h39m41s
